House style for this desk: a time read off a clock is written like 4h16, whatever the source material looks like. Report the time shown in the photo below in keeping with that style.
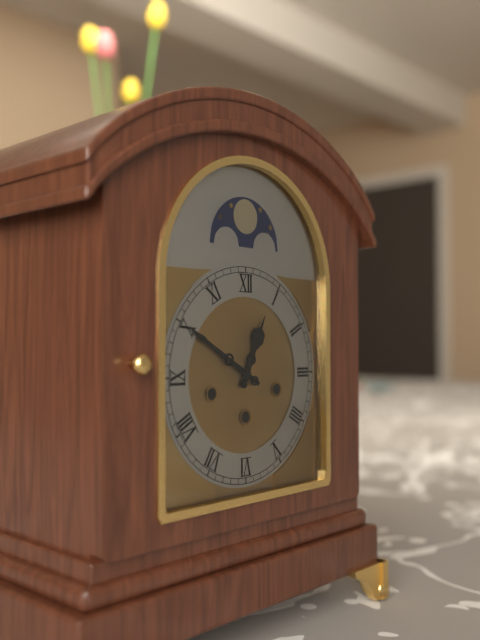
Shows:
12h50
